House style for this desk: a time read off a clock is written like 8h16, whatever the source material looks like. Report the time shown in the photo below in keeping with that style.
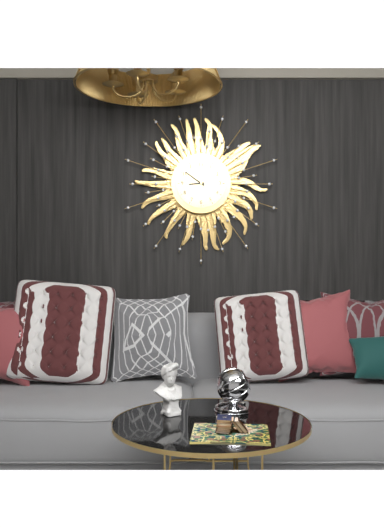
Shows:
8h51
